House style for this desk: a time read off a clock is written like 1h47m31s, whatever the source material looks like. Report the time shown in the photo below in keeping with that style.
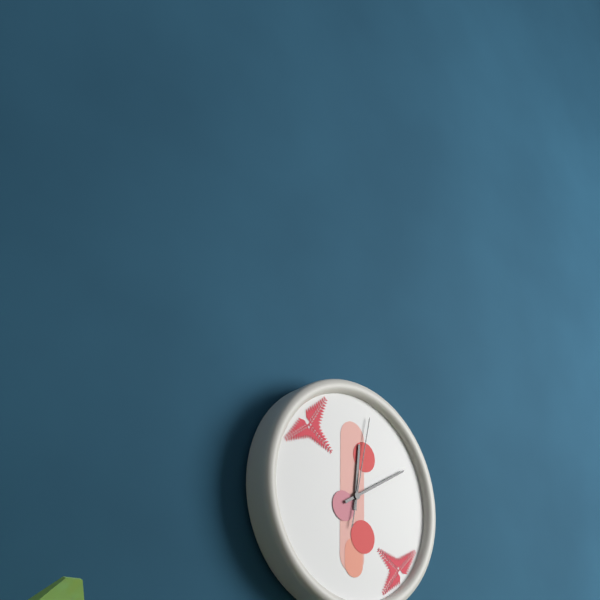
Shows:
12h10m02s
